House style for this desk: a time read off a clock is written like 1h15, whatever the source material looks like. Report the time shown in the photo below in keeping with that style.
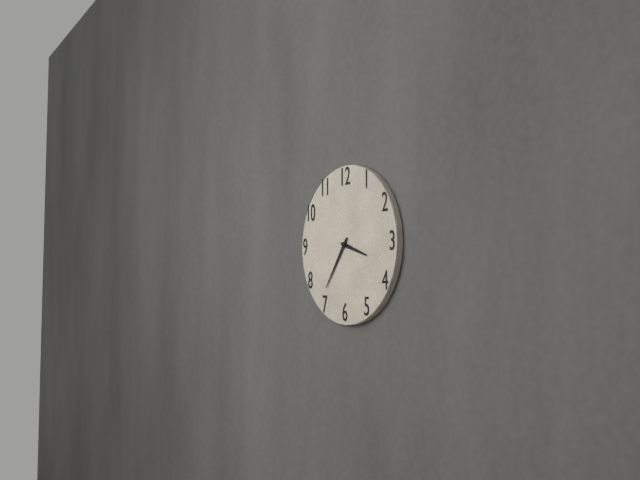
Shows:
3h36
